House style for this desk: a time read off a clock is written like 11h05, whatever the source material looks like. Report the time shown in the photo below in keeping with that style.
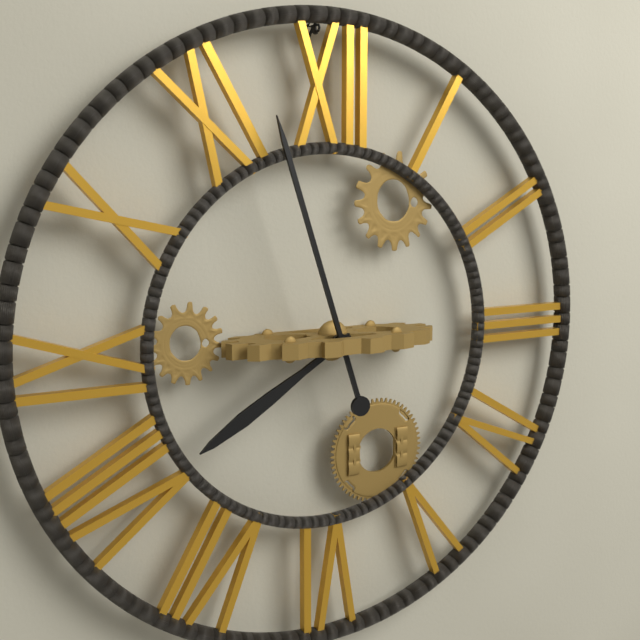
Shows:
7h57
